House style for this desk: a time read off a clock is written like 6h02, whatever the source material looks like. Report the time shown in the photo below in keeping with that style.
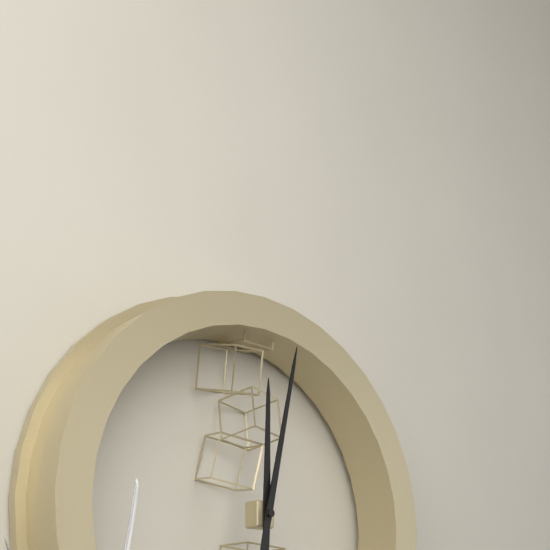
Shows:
12h02
